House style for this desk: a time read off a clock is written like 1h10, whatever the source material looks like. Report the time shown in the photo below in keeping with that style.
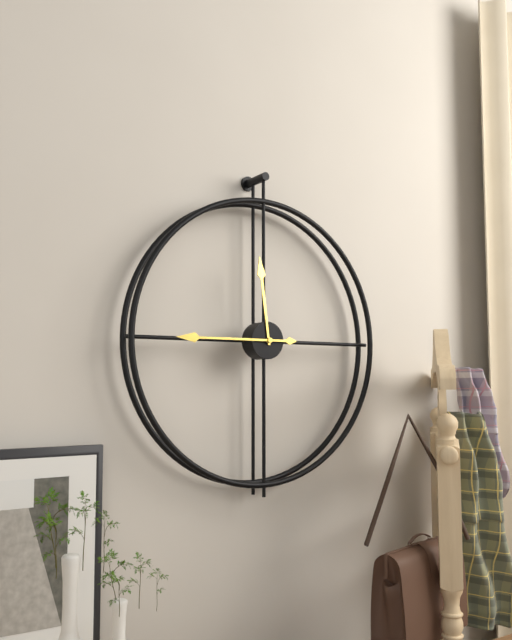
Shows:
11h45
